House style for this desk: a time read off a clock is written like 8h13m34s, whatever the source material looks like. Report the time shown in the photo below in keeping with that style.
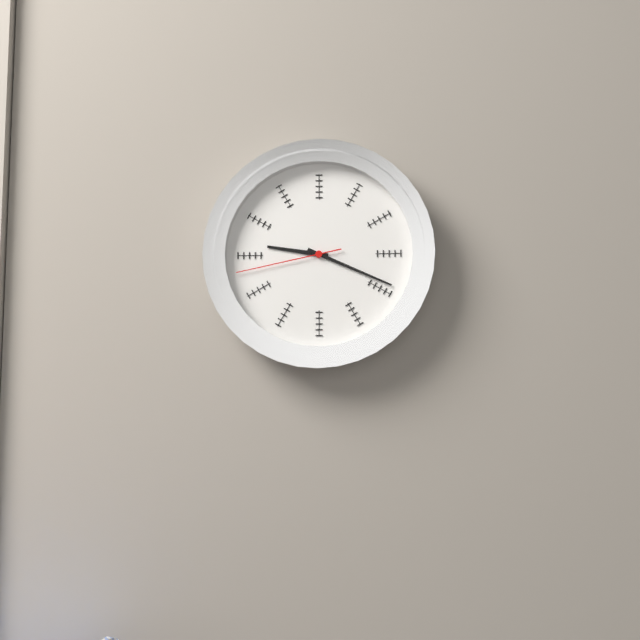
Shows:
9h19m43s
